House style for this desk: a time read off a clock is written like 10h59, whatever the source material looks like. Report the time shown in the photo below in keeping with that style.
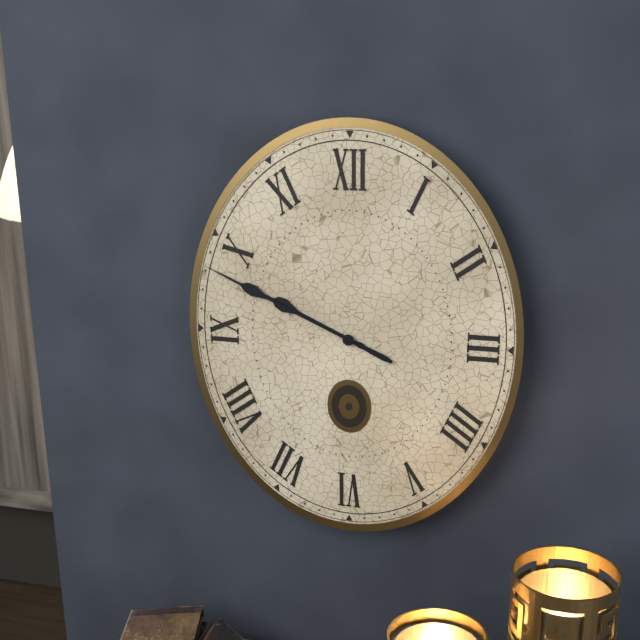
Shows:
9h49
